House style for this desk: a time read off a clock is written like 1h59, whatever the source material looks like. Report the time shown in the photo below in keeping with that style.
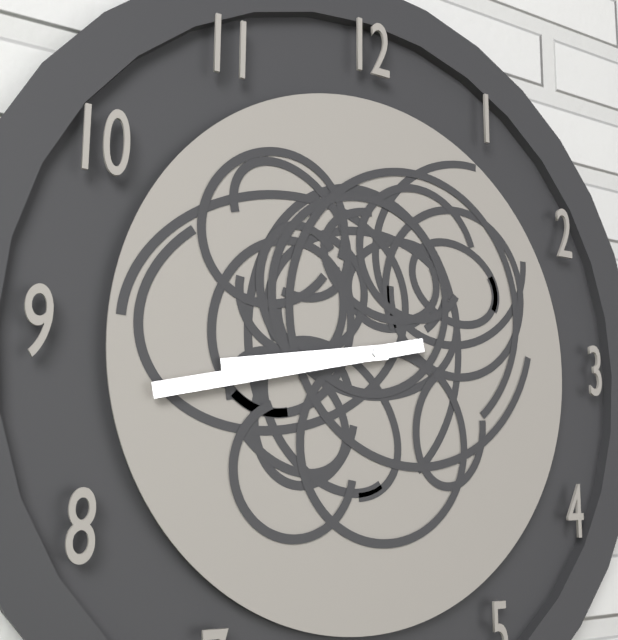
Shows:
8h43
